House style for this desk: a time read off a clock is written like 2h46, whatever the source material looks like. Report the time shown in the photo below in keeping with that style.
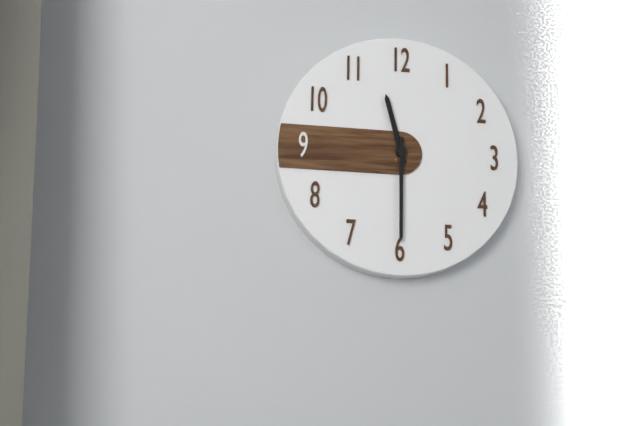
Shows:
11h30
